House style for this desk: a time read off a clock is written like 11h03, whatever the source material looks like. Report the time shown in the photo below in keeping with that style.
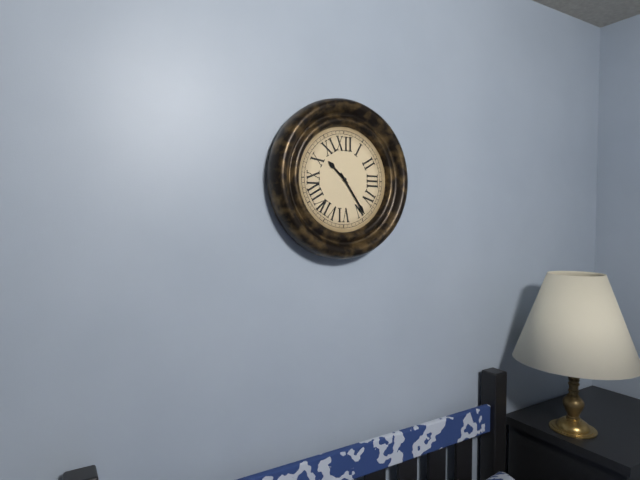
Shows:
10h24
